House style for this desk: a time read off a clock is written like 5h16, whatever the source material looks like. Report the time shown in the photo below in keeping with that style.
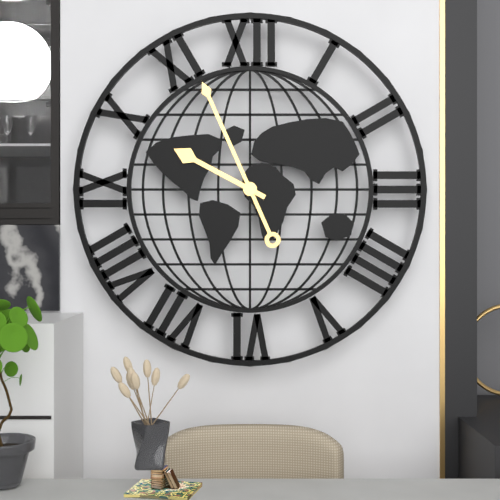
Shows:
9h56
